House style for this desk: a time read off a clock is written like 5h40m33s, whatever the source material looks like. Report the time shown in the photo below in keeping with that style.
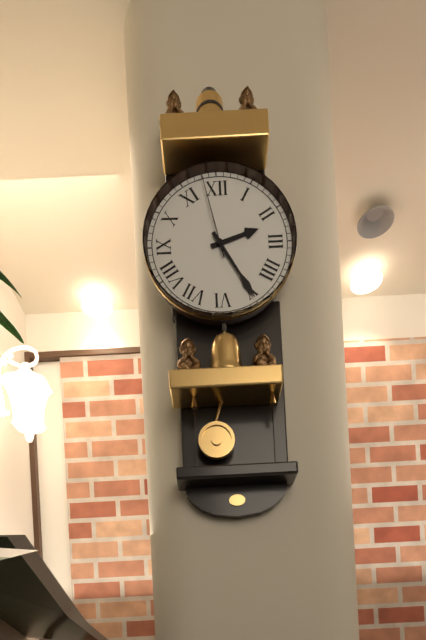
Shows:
2h25m58s
